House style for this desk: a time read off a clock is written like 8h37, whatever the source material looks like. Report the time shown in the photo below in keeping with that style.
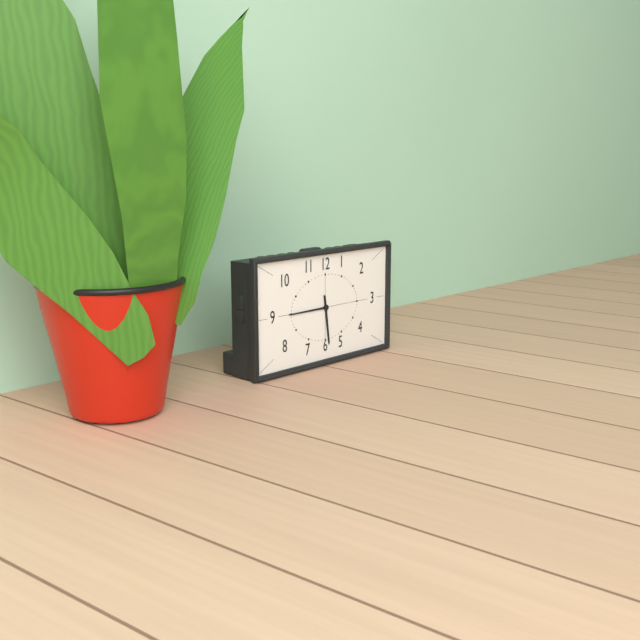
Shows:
5h45
